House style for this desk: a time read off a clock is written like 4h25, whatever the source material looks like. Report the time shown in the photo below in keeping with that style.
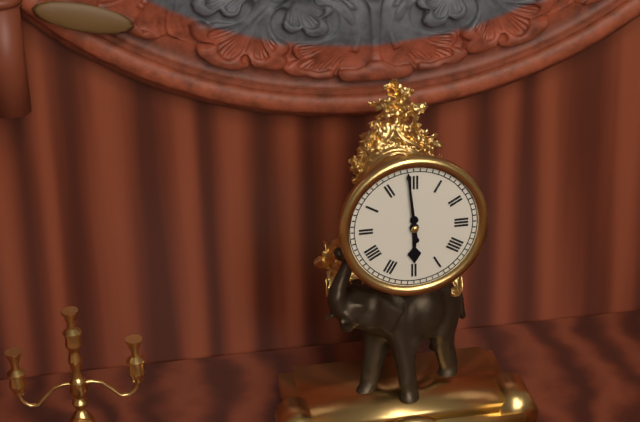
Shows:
5h59
